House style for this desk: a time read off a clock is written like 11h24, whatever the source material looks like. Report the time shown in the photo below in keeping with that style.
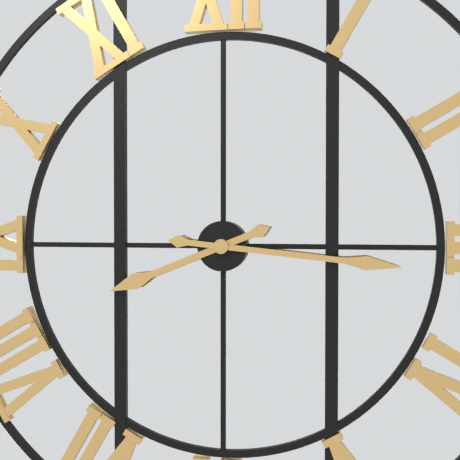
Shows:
8h16
